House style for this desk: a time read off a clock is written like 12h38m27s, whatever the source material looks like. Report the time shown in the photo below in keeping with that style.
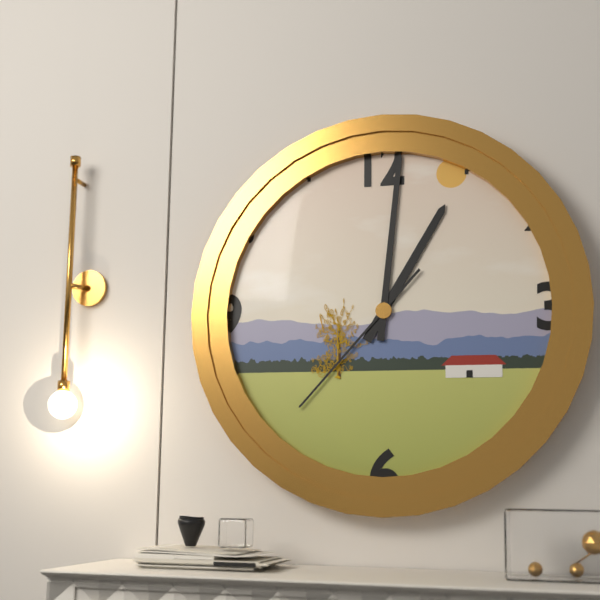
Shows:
1h01m37s
